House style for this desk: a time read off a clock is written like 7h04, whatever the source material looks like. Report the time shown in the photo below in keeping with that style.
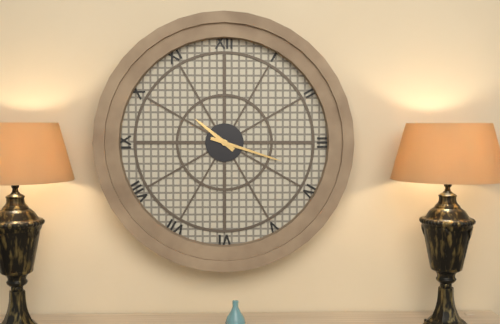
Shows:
10h18
